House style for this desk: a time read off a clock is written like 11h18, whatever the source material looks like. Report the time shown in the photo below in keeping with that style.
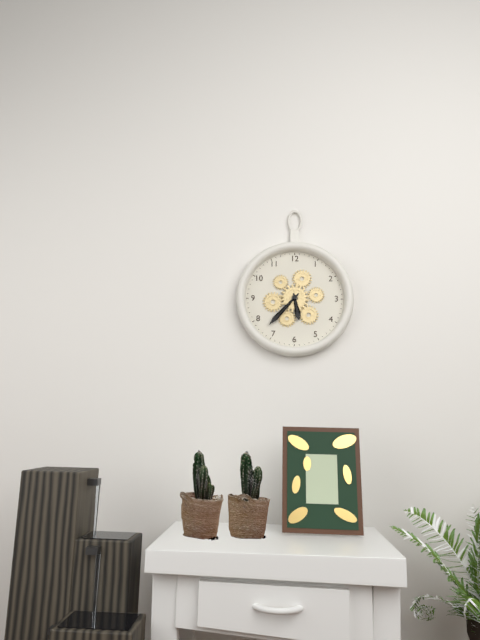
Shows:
5h37
